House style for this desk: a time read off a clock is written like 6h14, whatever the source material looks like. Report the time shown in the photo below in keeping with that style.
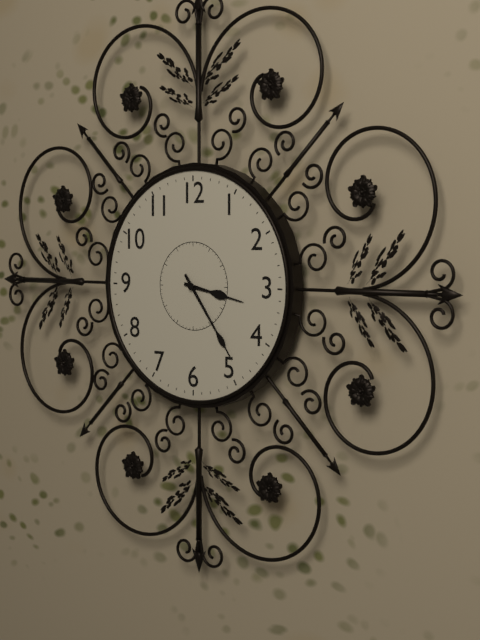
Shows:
3h24
